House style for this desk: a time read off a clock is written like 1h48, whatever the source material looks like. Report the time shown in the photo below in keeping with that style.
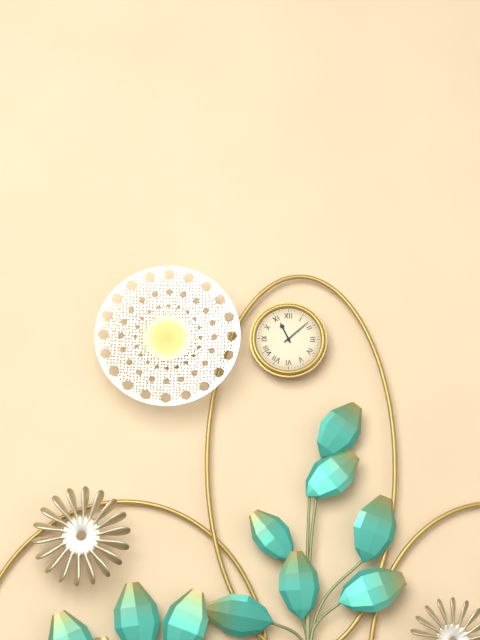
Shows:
11h08
